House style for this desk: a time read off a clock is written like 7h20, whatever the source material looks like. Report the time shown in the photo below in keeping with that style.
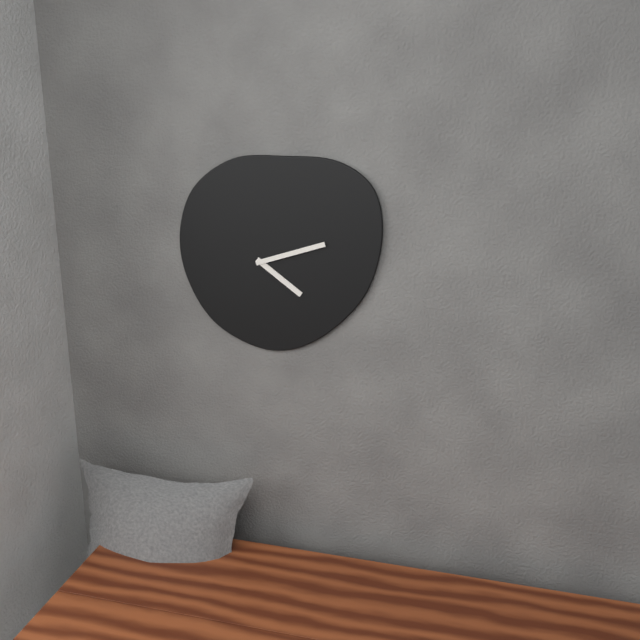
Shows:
4h12
